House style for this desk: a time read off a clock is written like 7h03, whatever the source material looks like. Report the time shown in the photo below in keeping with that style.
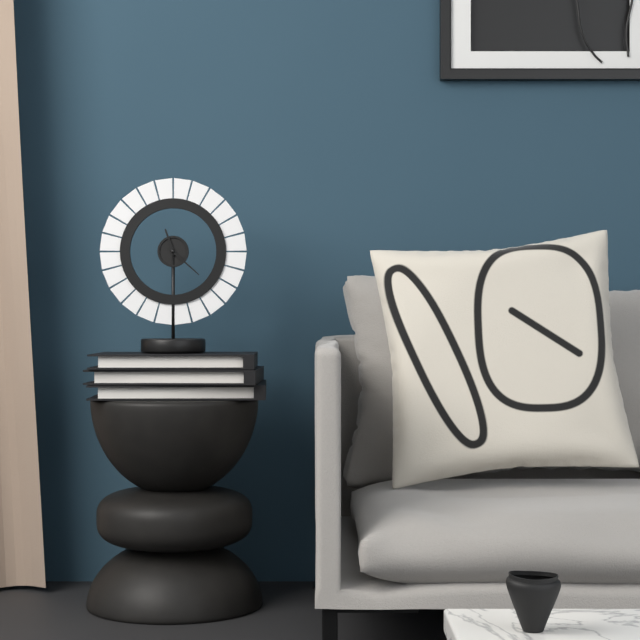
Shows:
11h22
